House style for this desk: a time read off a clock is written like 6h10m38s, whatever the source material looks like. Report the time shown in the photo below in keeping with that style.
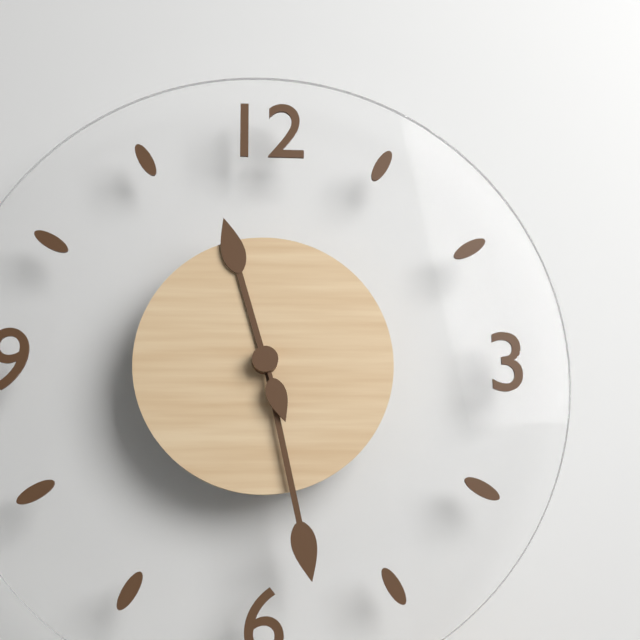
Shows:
11h28m27s
